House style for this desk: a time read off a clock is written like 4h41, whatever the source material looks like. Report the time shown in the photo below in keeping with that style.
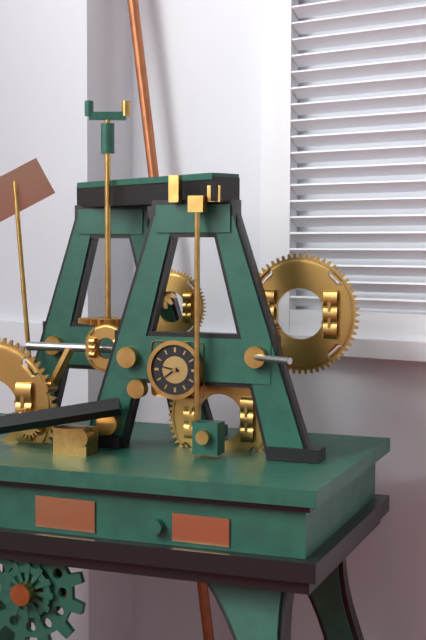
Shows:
7h47
